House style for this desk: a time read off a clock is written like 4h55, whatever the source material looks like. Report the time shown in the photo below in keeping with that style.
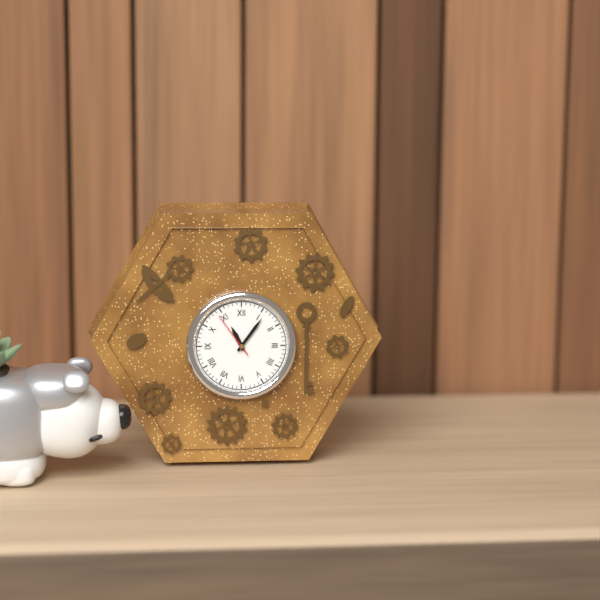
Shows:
11h06
